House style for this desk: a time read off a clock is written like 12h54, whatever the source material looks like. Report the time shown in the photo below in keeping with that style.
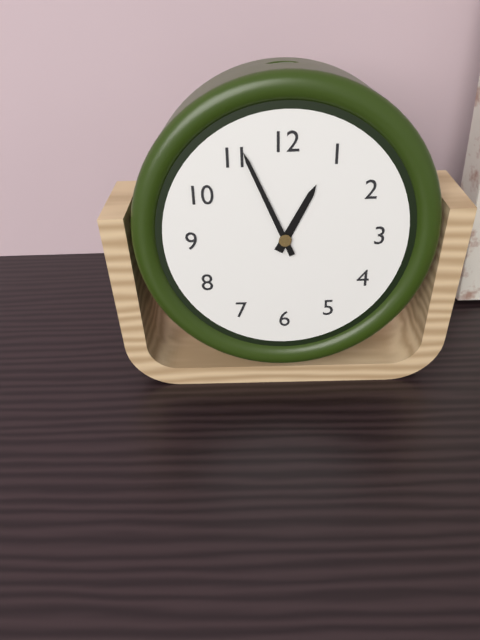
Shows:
12h56
